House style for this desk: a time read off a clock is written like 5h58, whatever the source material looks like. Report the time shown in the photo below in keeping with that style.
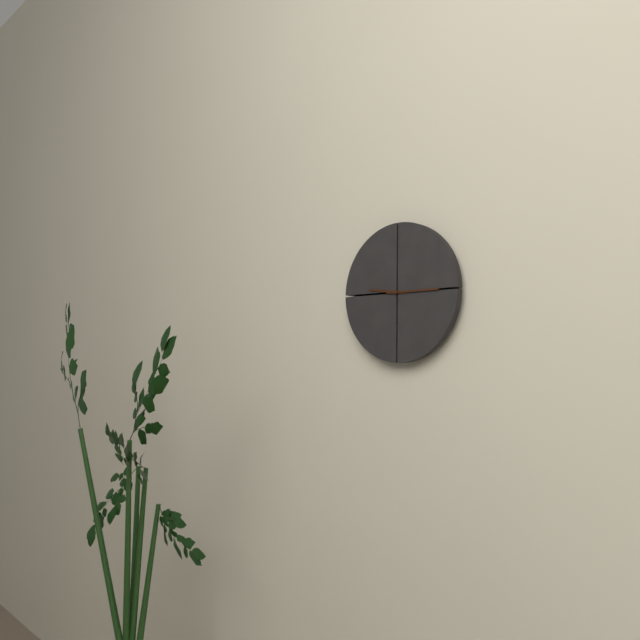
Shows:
9h15
